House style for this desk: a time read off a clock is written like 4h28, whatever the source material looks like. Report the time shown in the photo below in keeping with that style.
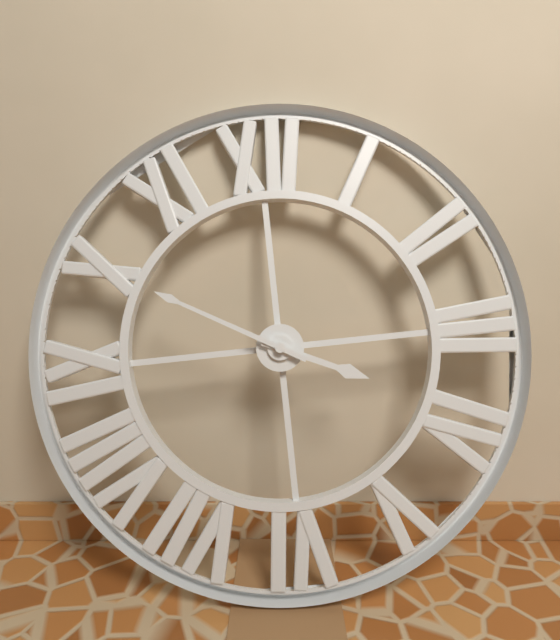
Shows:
3h50
